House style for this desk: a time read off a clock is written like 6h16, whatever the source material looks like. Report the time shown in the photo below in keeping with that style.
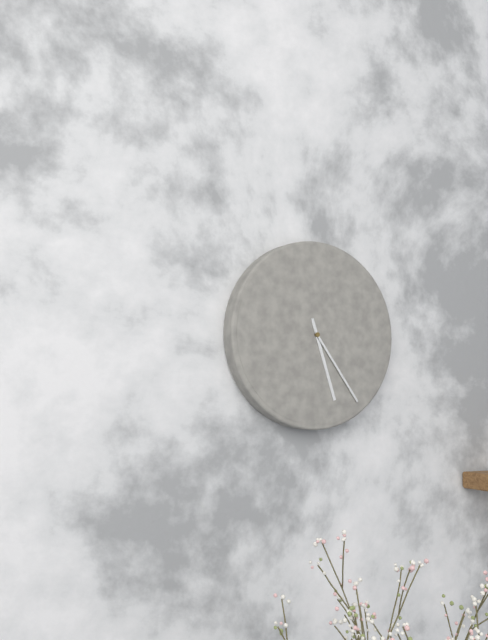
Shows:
5h24
